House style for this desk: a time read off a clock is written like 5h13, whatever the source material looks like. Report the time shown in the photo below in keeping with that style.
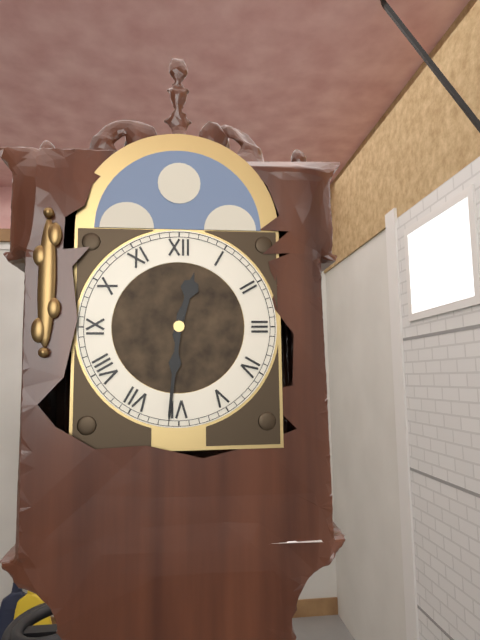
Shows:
12h31
